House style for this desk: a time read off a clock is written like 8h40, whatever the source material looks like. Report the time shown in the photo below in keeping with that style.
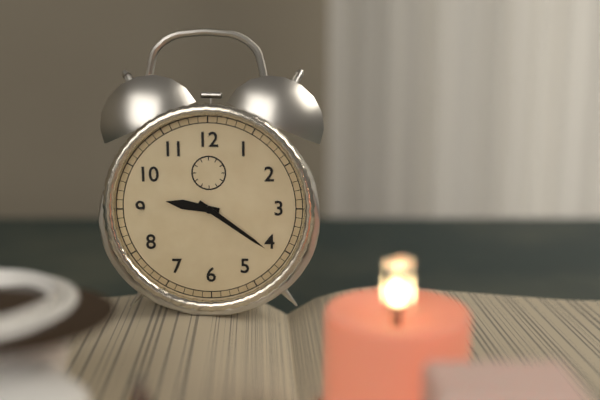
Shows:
9h21
